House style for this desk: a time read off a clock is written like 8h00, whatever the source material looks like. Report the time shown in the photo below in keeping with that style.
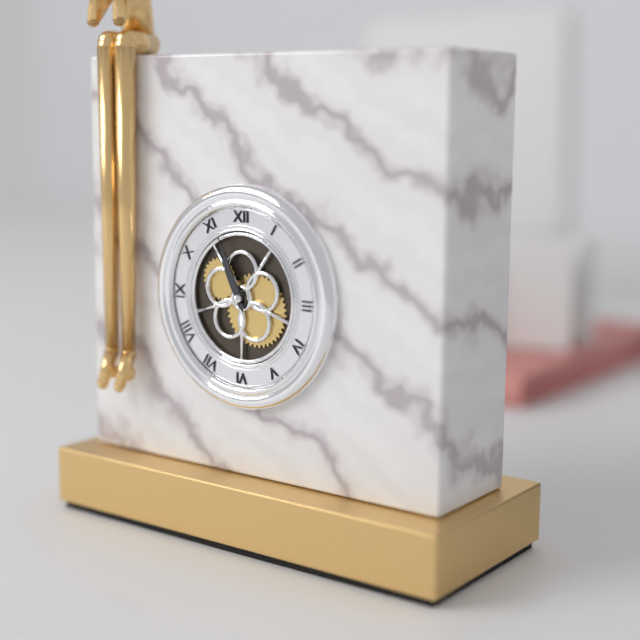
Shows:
10h56
